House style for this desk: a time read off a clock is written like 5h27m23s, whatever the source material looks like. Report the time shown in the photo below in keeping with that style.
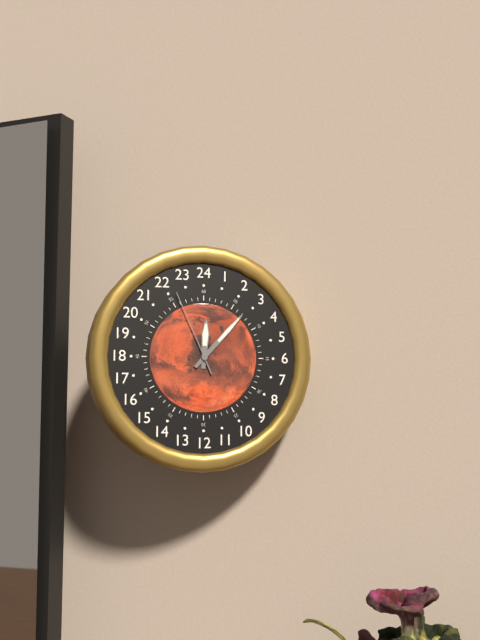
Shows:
12h07m56s
